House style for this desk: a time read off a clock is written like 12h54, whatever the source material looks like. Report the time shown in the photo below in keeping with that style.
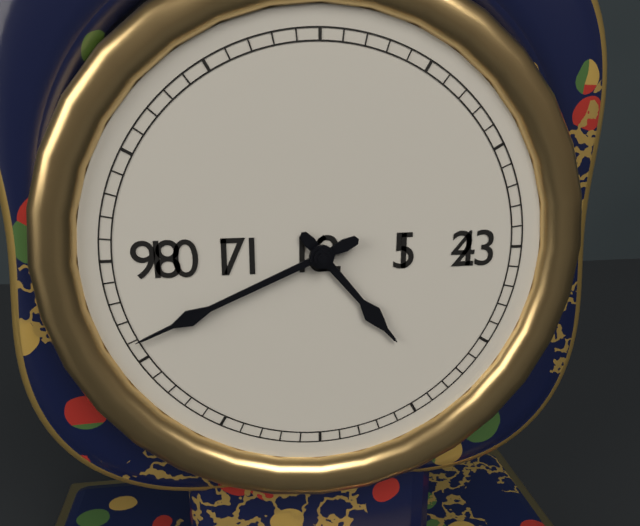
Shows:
4h41
